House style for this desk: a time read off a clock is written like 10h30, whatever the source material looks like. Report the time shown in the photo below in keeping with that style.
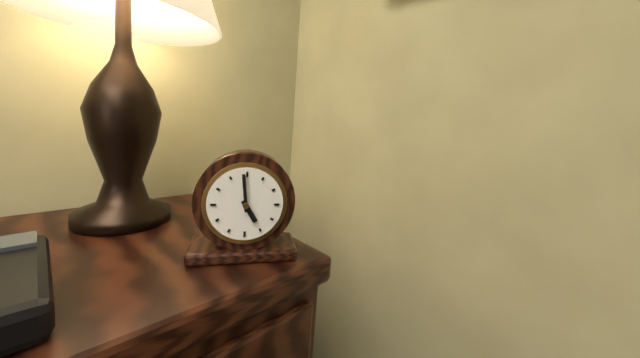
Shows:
4h59
